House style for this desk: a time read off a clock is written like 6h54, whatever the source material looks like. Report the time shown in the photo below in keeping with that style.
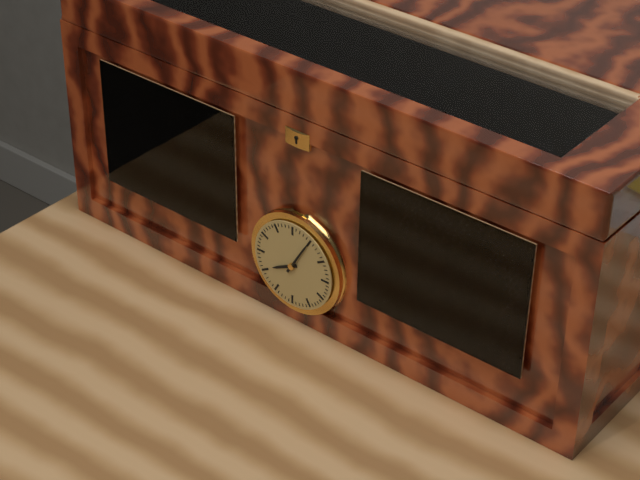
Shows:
8h05
